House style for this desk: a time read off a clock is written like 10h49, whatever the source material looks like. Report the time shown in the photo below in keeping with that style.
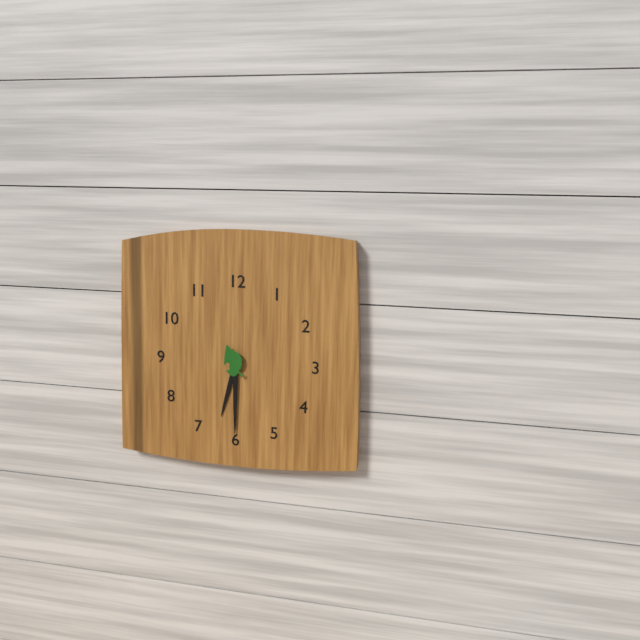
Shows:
6h30
